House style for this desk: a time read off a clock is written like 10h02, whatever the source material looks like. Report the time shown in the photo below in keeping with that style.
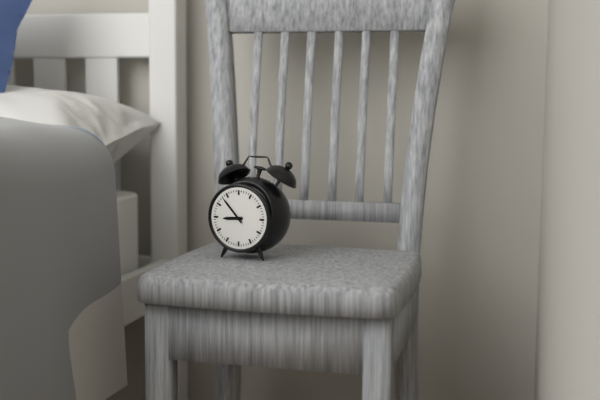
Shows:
8h53
